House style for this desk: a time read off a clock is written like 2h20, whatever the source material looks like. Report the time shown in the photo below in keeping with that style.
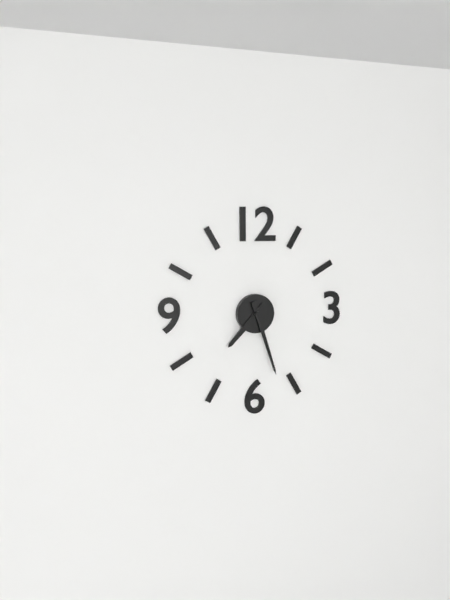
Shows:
7h27
